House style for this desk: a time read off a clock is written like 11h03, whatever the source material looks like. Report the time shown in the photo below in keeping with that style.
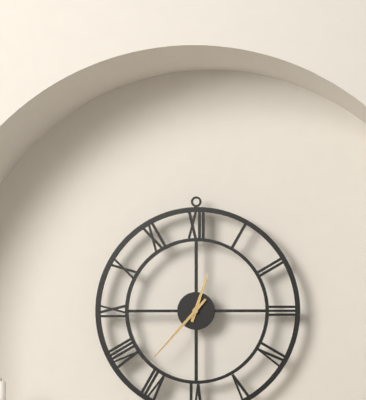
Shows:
12h37
